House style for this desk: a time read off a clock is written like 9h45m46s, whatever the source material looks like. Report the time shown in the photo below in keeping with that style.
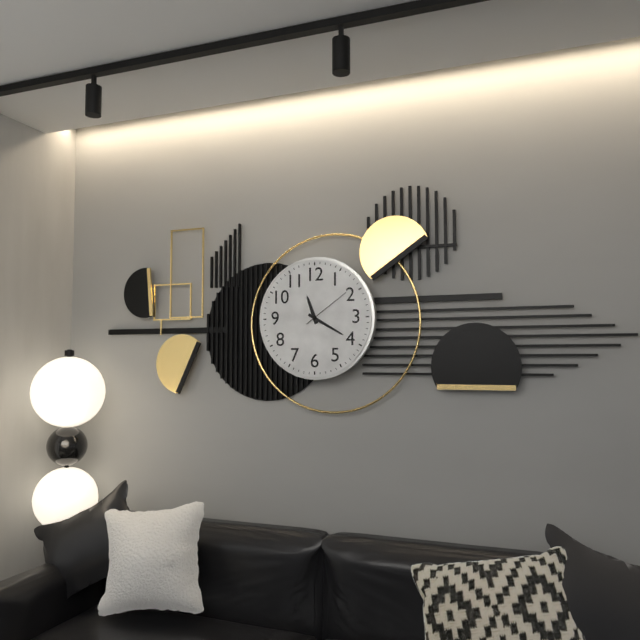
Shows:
11h20m09s
